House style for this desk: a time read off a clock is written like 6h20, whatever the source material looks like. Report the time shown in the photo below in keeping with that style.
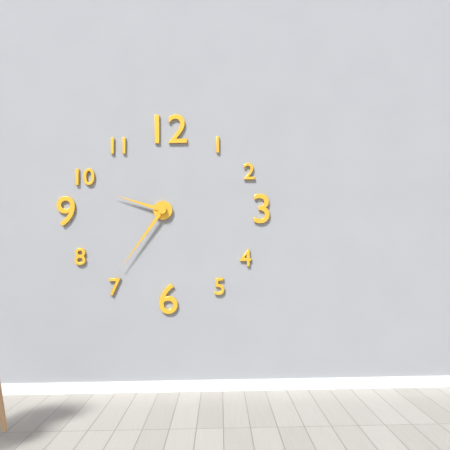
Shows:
9h36
